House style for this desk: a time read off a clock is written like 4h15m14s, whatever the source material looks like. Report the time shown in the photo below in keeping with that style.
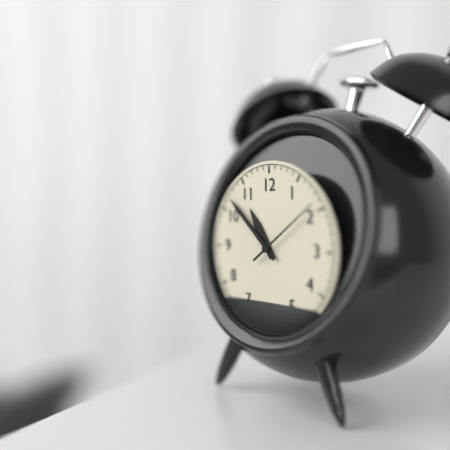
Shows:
10h52m09s
